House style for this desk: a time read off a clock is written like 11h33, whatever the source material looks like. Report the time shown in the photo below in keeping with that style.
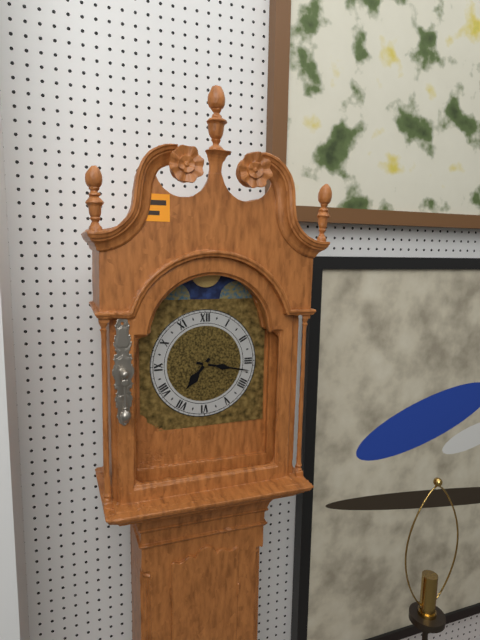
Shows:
7h17
